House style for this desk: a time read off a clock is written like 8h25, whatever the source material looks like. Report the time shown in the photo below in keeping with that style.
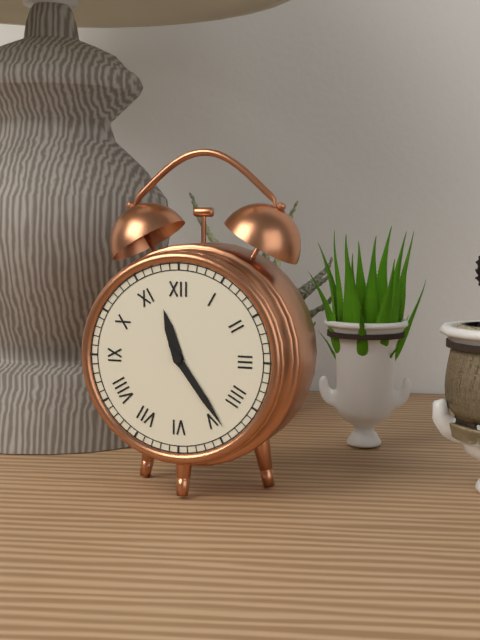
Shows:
11h24
